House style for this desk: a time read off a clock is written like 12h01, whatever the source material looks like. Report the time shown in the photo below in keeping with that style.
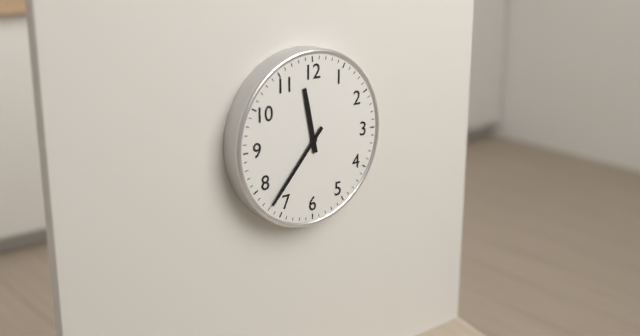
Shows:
11h37
